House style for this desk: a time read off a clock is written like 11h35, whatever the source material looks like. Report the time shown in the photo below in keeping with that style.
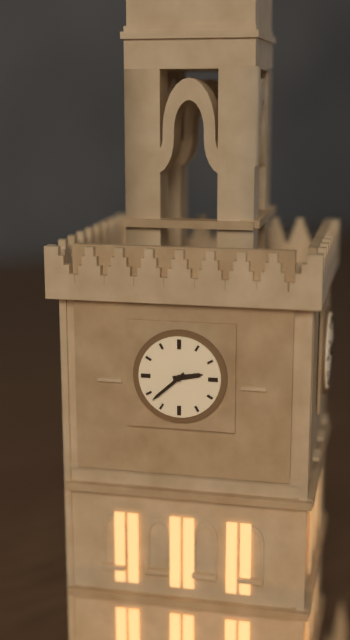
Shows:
2h38
